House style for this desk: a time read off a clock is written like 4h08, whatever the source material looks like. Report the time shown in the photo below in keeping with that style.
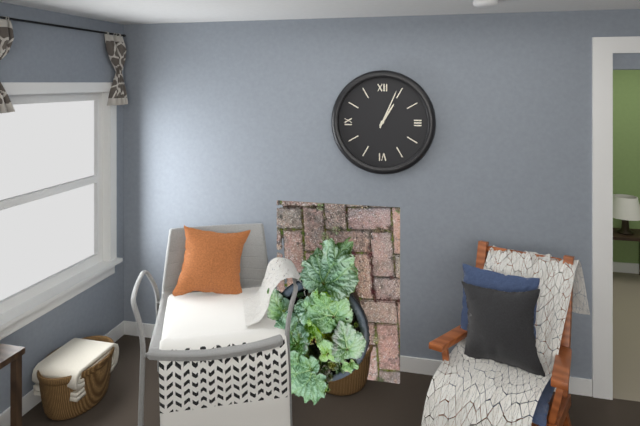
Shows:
1h04
